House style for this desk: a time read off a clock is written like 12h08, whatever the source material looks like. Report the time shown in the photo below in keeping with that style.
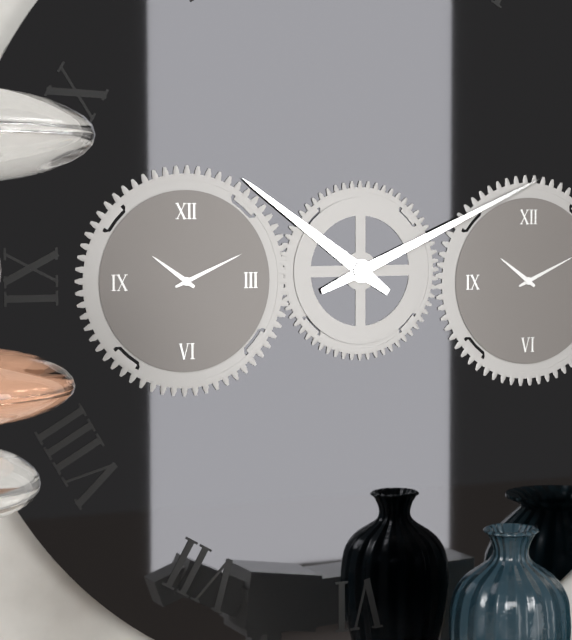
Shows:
10h11
